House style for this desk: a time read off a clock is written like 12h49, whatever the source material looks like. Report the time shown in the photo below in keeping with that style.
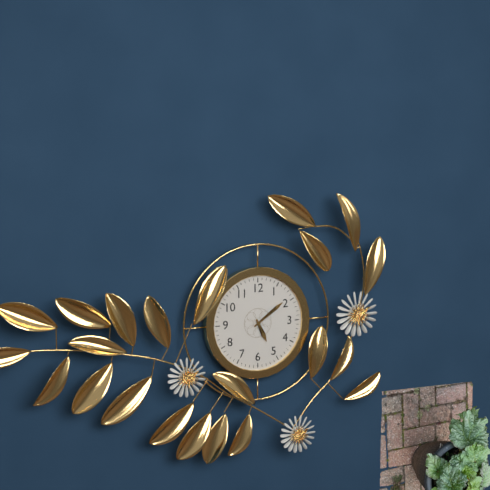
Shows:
5h09
